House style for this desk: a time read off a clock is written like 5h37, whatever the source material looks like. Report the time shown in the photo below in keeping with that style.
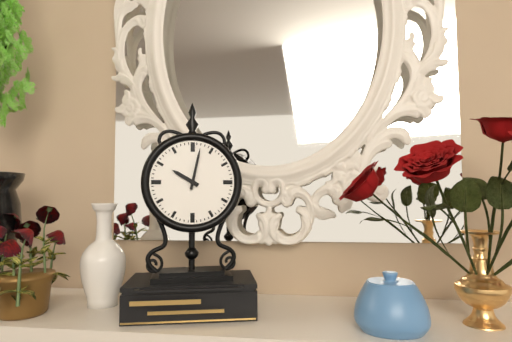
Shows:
10h02
